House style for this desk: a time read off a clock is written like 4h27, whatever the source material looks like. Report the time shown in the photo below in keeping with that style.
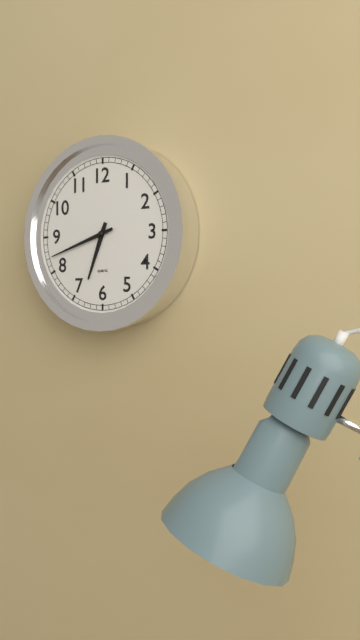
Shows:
6h42
